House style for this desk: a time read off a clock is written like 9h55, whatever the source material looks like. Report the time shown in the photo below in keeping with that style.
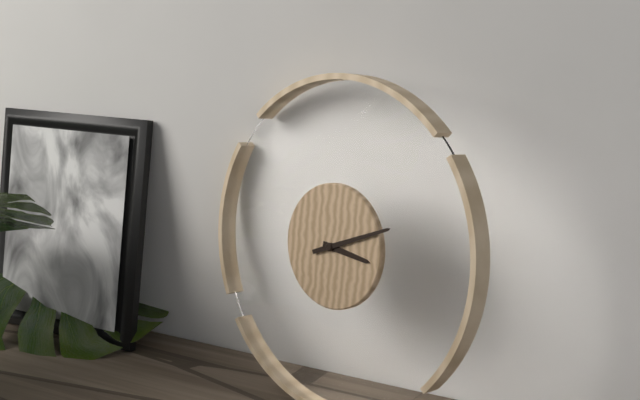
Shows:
3h11
